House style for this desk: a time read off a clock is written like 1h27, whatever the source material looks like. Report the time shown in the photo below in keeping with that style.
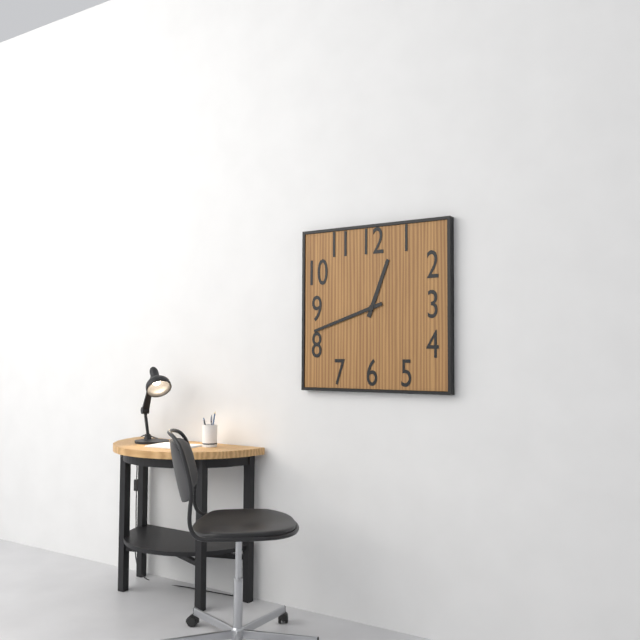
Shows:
12h42
